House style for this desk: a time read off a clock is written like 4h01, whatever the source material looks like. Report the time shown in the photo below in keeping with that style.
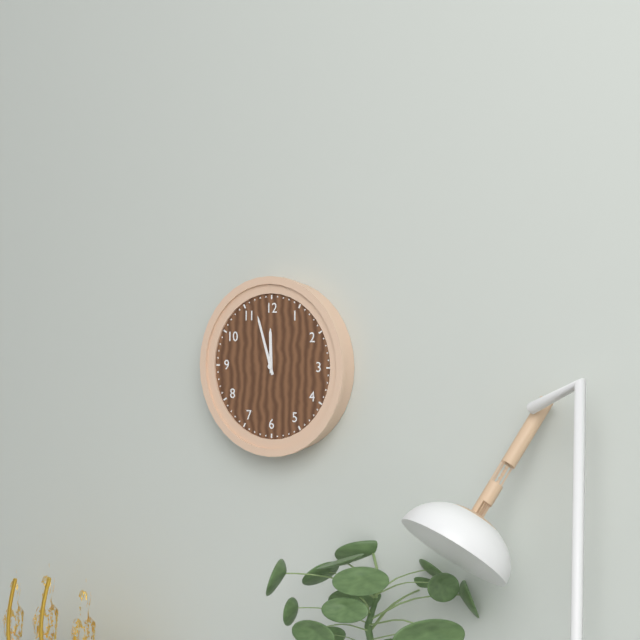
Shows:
11h57
